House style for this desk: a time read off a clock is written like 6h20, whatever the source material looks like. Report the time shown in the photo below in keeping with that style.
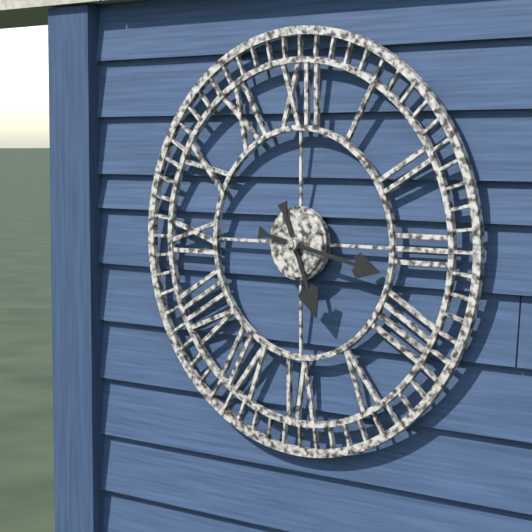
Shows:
5h17
